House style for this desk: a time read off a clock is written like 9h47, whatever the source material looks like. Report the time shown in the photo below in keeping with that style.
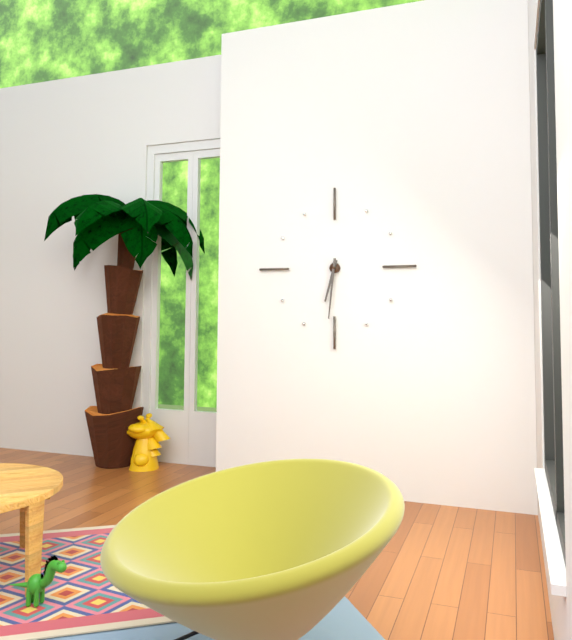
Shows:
6h31
